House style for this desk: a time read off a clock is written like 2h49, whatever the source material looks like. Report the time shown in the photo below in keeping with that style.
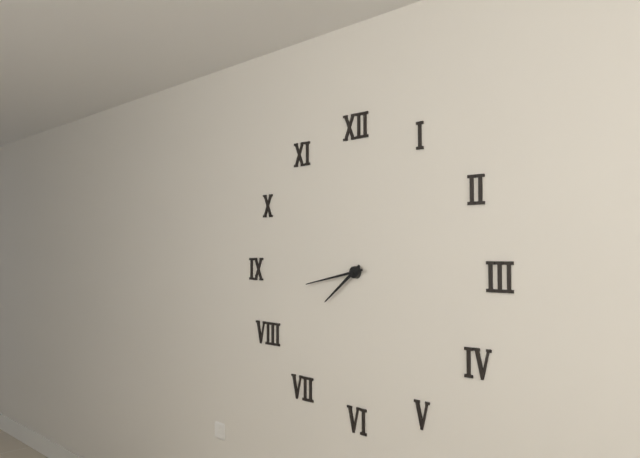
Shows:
7h43
